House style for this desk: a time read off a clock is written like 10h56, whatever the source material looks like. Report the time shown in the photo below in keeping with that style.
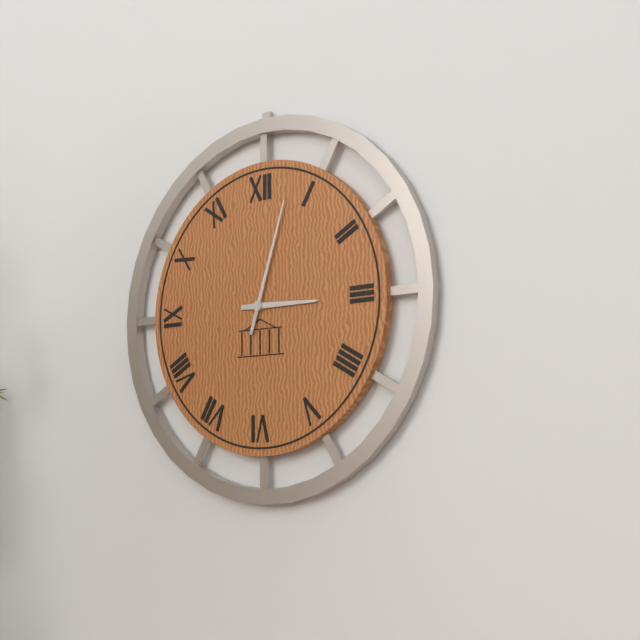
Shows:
3h03
